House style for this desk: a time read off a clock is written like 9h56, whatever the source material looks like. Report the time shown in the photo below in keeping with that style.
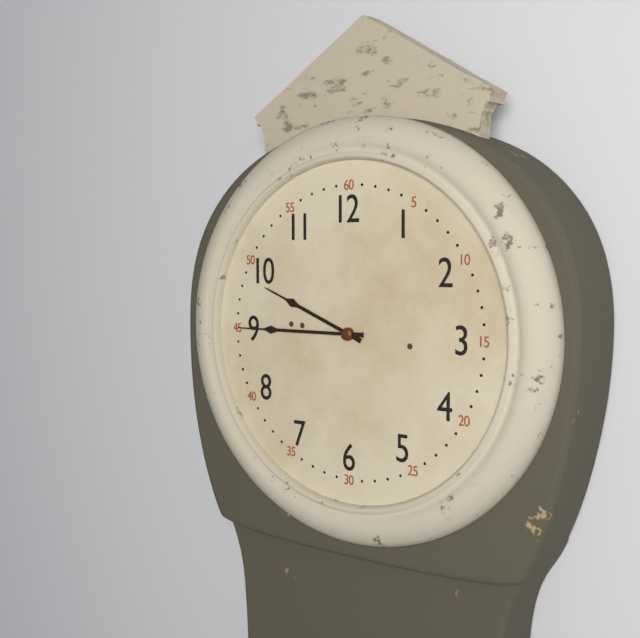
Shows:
9h45
